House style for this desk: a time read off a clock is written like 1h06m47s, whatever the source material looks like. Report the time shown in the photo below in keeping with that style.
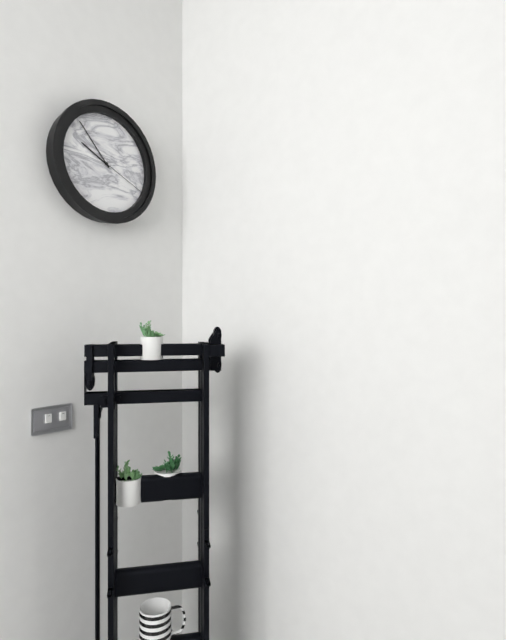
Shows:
9h53m19s
